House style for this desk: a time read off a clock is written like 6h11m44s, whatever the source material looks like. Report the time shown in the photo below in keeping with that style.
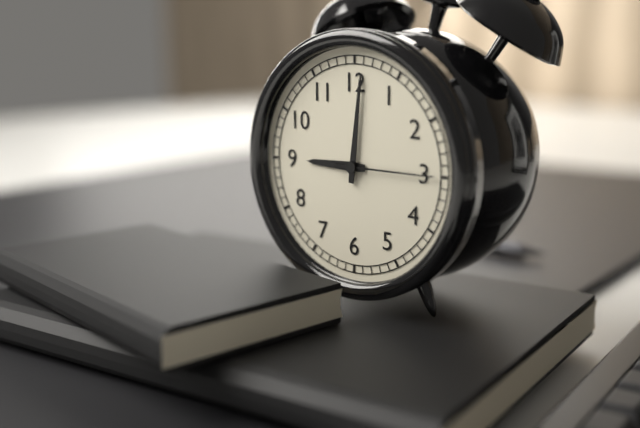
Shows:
9h01m15s
